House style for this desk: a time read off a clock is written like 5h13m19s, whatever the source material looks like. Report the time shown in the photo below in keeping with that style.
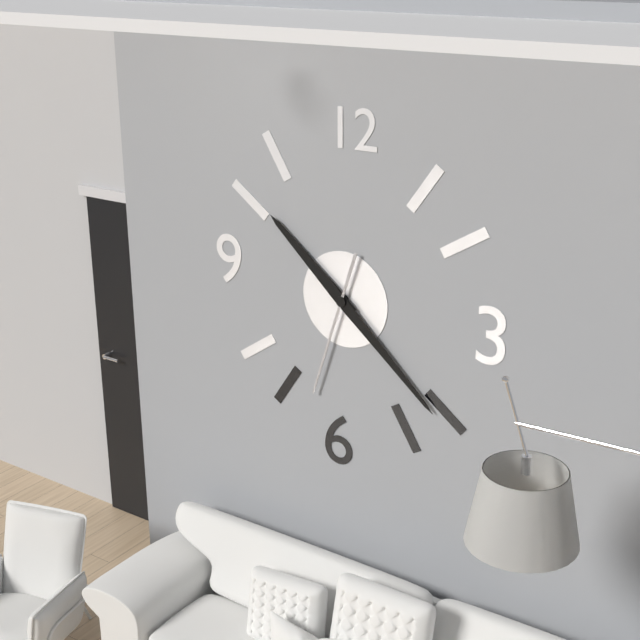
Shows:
10h22m33s
